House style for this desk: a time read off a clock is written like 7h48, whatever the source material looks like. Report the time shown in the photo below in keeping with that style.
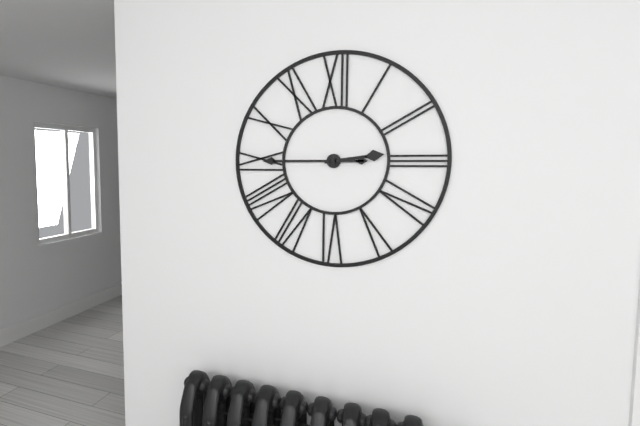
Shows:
2h45
